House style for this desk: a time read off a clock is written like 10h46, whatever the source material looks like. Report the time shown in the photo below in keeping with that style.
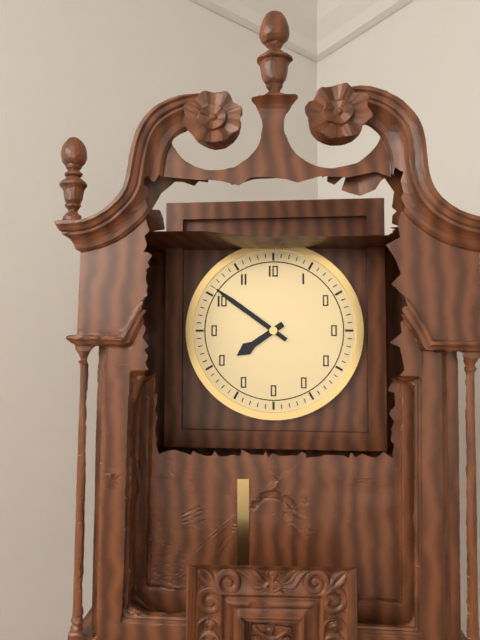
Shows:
7h51
